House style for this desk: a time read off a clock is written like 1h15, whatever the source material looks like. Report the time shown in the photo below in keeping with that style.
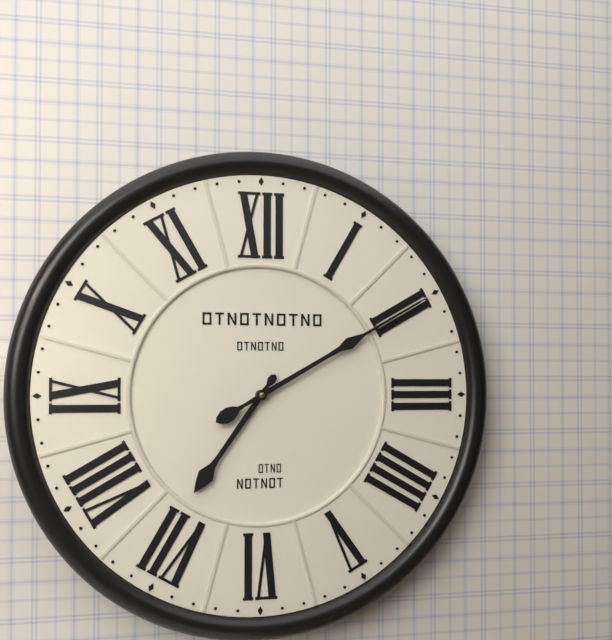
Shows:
7h10
